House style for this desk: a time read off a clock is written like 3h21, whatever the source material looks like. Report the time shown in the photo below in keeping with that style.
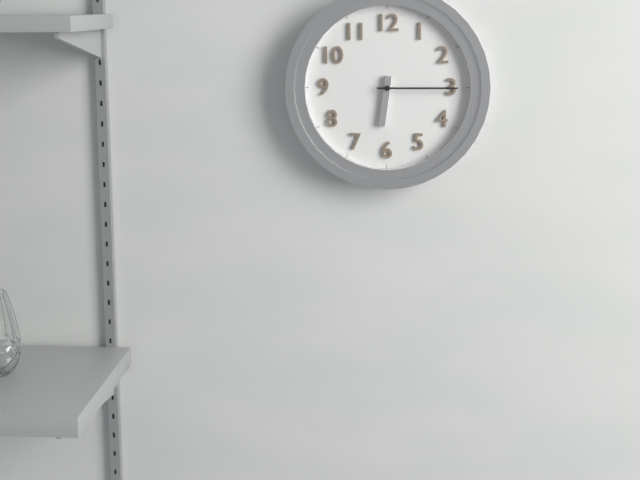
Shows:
6h15
